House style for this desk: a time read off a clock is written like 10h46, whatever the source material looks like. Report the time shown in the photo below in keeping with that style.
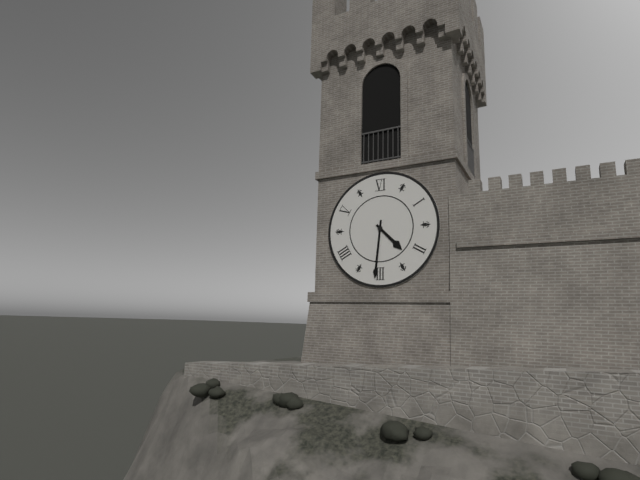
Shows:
4h31
